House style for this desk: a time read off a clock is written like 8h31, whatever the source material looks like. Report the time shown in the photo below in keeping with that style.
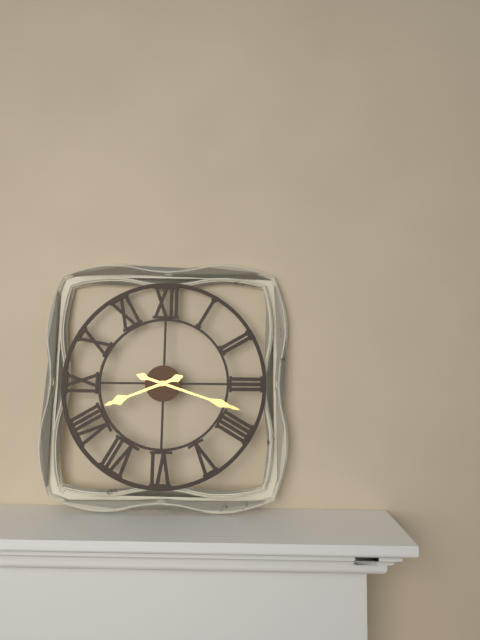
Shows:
8h18
